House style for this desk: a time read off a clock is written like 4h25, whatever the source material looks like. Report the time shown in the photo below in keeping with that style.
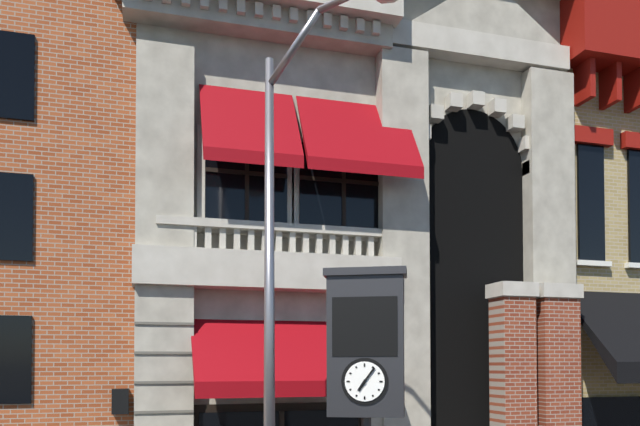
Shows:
7h06
